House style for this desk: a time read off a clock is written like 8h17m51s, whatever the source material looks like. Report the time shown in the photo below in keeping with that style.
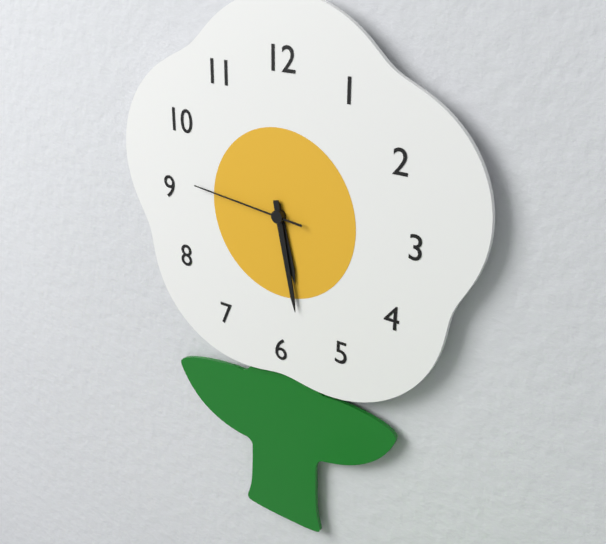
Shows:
5h28m46s
